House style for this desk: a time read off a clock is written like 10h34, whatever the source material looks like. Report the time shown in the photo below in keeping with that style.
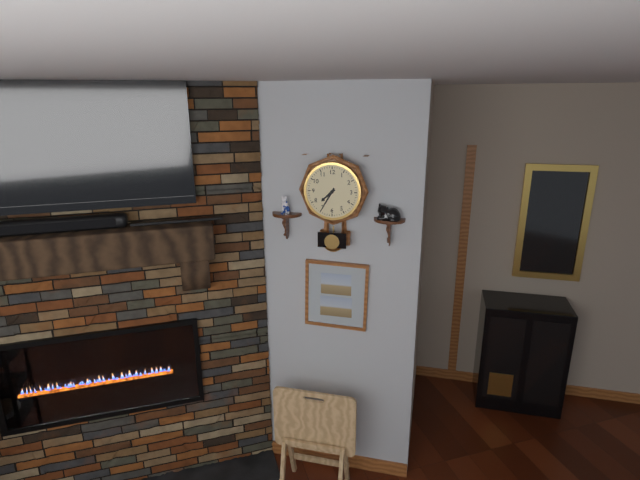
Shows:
7h35
